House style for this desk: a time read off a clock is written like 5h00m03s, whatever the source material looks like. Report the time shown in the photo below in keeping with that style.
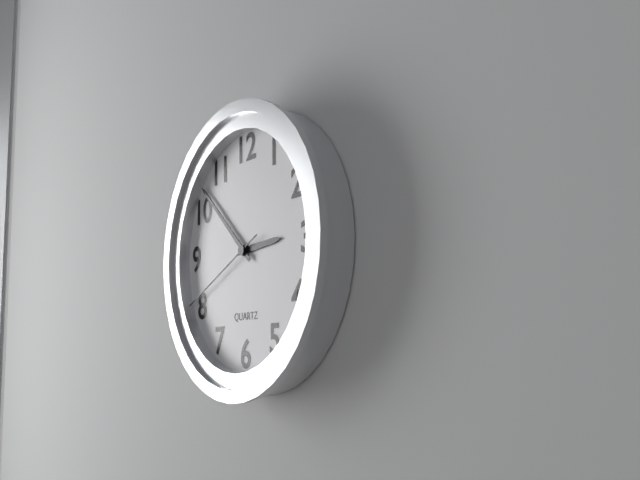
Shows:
2h52m41s
